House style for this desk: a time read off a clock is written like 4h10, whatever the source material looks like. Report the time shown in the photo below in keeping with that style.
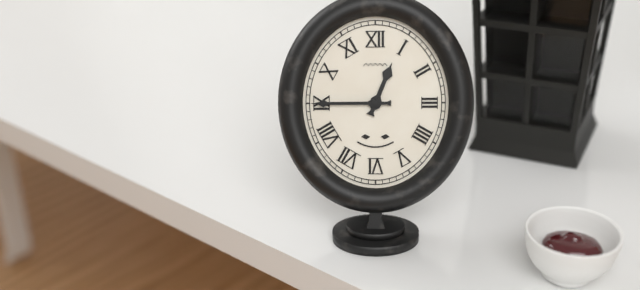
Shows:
12h45
